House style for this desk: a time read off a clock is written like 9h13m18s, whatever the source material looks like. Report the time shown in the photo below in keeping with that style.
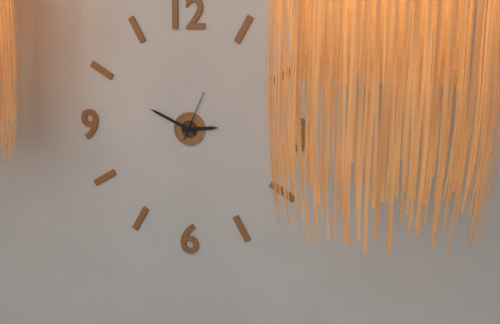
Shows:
2h49m04s
